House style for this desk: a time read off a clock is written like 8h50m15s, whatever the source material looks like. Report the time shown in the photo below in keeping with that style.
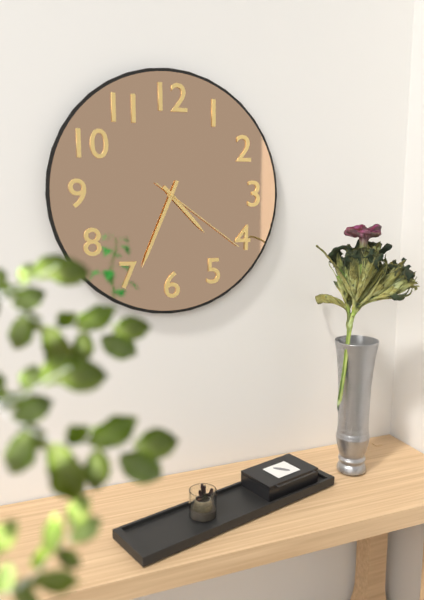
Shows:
4h34m21s
